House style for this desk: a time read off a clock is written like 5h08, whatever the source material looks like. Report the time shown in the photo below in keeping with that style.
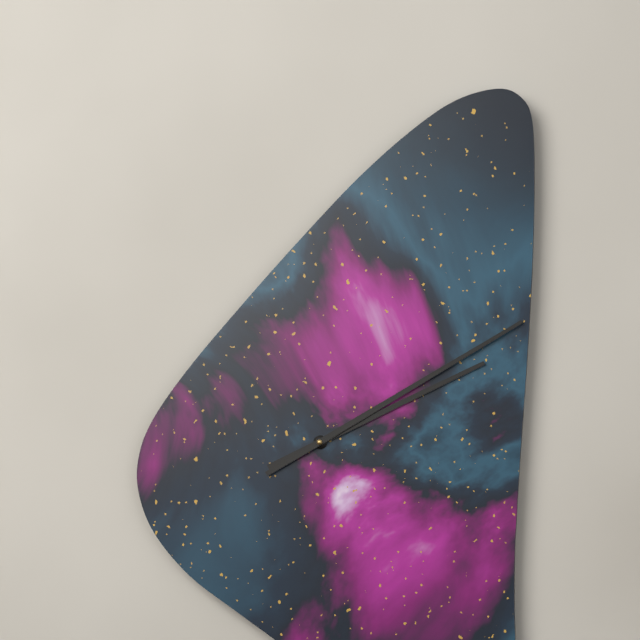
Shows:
2h10
